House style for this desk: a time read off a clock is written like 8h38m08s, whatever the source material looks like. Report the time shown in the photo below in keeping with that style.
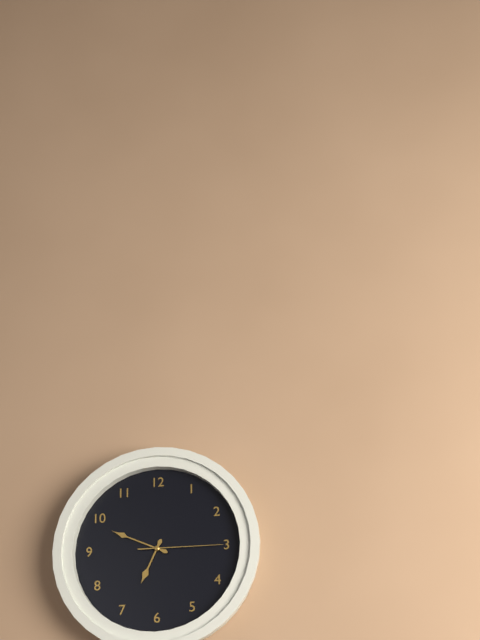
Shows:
6h49m15s
